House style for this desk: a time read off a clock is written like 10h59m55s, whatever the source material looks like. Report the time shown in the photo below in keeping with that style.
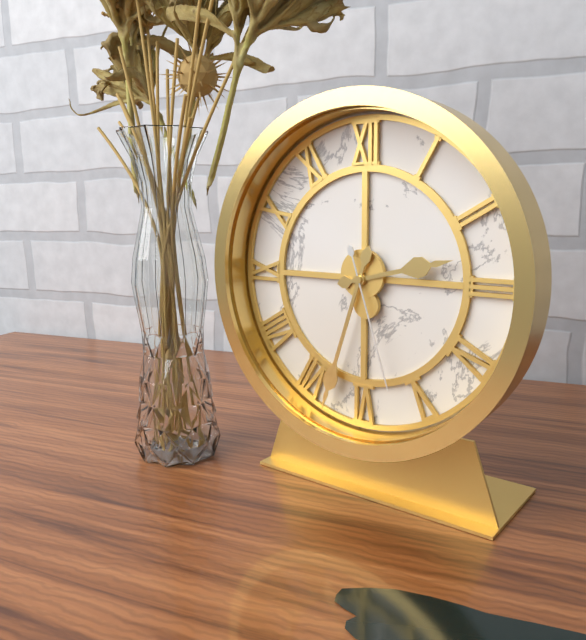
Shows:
2h33m27s
